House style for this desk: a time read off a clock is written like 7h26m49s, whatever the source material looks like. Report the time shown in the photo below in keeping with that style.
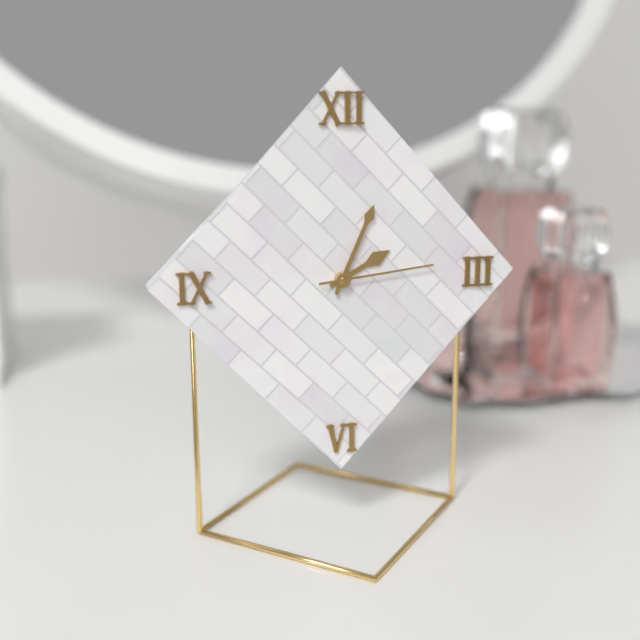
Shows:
2h04m14s
